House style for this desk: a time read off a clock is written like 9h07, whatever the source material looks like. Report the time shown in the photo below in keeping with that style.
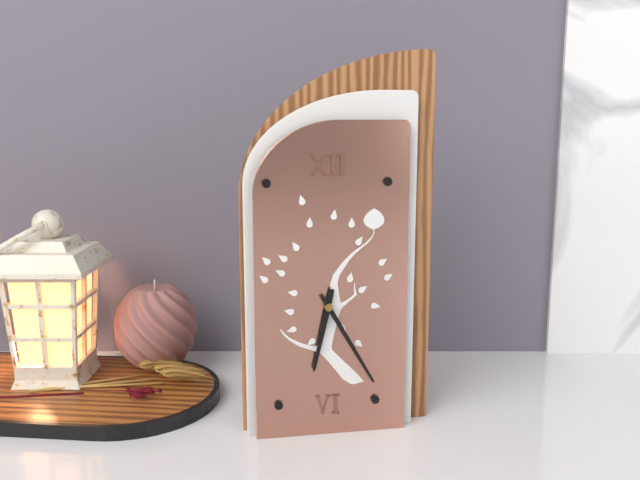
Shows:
6h25
